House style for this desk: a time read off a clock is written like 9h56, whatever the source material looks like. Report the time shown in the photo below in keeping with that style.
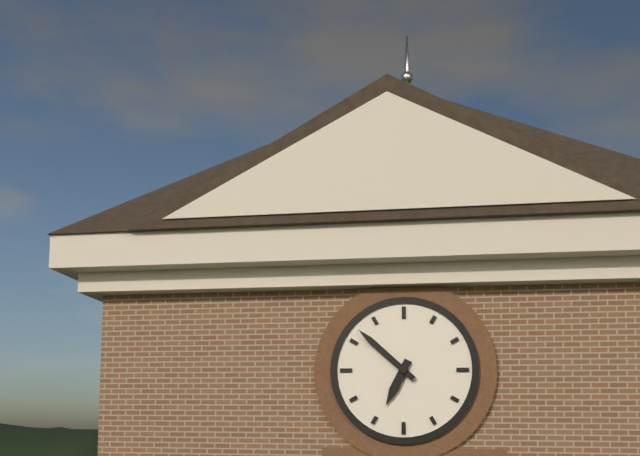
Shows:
6h52
